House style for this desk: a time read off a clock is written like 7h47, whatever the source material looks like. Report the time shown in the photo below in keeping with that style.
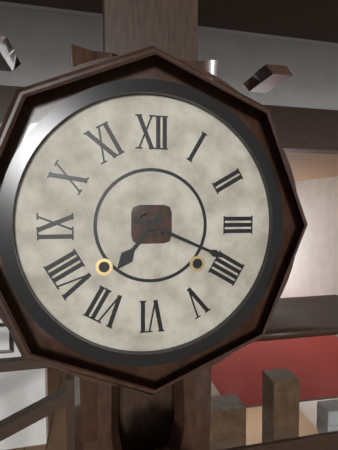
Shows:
7h19
